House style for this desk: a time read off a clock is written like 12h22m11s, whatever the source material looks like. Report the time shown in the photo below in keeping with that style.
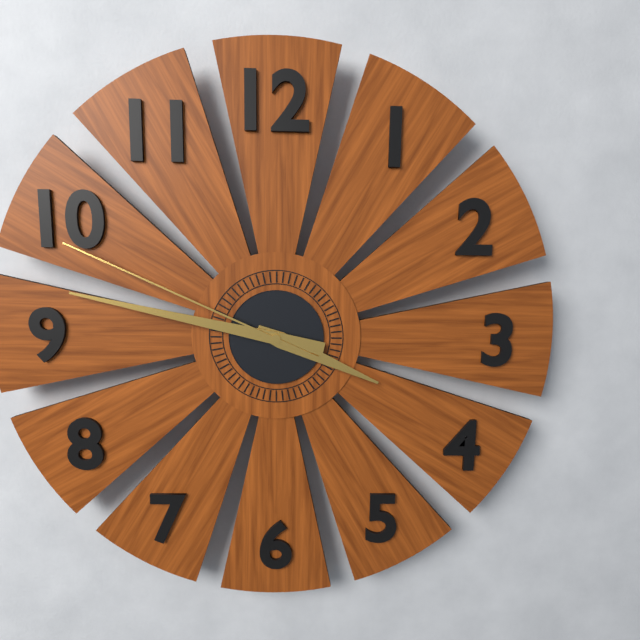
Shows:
3h47m49s
